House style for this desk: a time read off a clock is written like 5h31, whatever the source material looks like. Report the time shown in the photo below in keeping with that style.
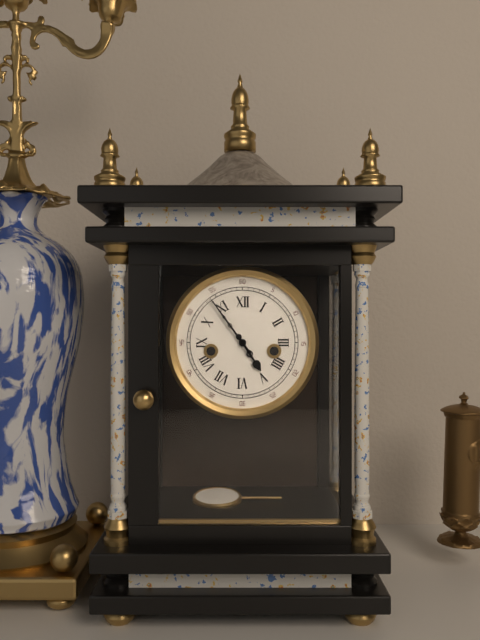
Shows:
4h54
